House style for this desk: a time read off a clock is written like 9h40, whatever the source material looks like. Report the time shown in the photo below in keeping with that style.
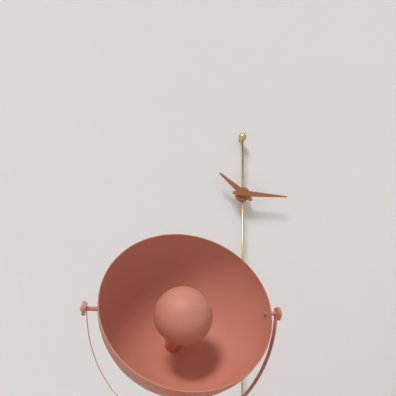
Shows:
10h15
